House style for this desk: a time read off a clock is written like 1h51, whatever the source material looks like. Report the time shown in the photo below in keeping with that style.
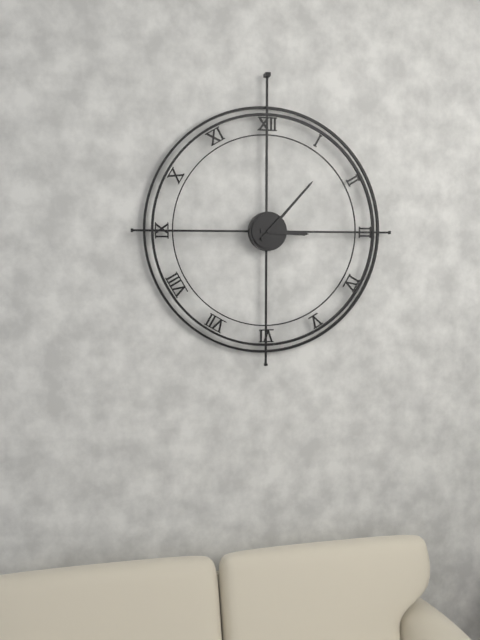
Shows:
3h07
